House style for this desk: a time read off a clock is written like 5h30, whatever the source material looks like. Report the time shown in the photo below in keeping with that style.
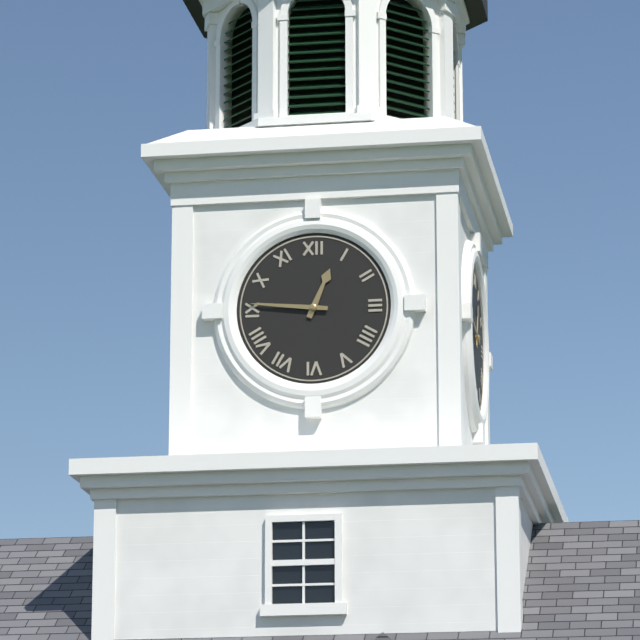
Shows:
12h46
